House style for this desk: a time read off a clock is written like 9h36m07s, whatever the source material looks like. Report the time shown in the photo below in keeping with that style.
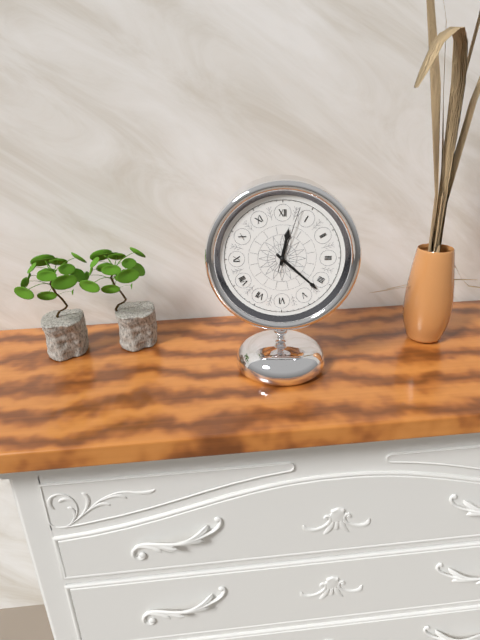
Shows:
12h22m03s
